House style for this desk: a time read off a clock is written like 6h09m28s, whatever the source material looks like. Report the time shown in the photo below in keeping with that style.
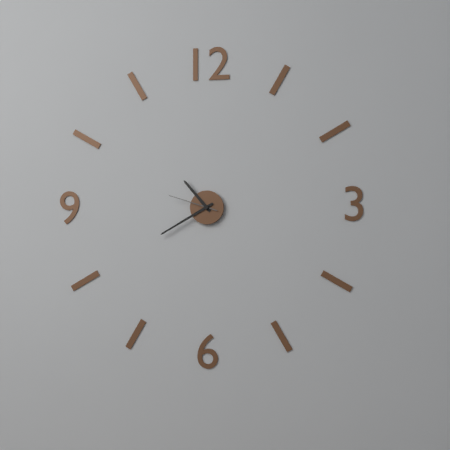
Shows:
10h40m48s
